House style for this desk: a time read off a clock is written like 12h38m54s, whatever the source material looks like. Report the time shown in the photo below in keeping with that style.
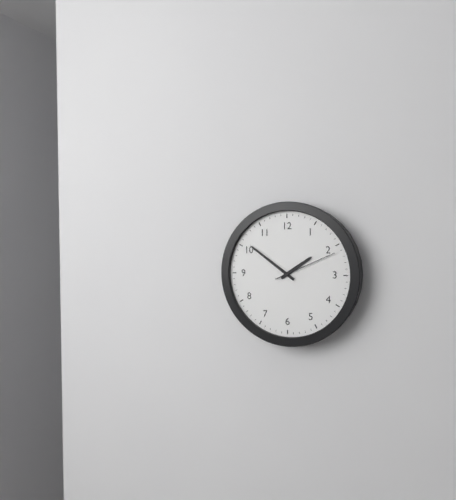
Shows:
1h51m11s
